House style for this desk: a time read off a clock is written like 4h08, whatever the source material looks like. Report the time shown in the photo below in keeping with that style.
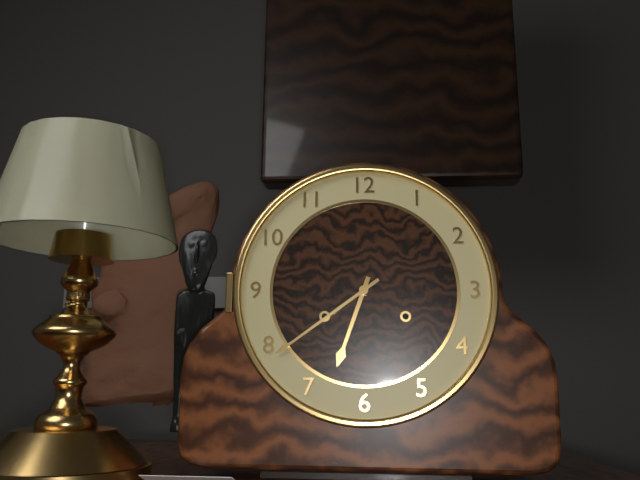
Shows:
6h39
